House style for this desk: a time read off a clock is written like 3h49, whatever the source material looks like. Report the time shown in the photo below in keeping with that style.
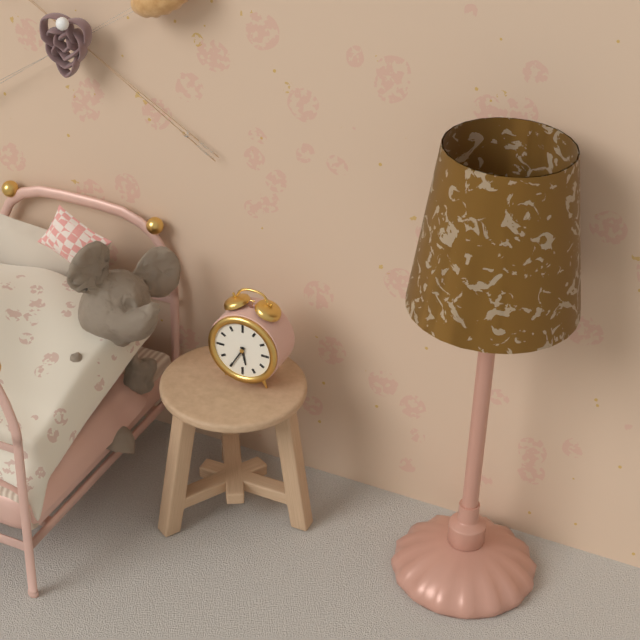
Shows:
5h35
